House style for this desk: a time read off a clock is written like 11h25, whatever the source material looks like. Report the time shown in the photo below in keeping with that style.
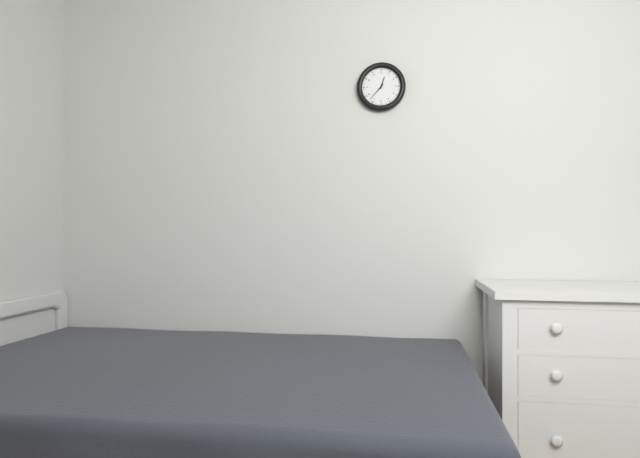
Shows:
12h37
